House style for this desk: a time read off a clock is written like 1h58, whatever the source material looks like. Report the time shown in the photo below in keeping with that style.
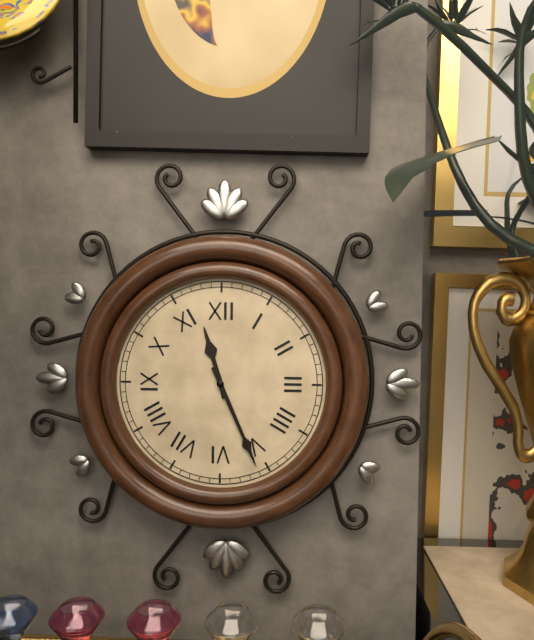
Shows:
11h26
